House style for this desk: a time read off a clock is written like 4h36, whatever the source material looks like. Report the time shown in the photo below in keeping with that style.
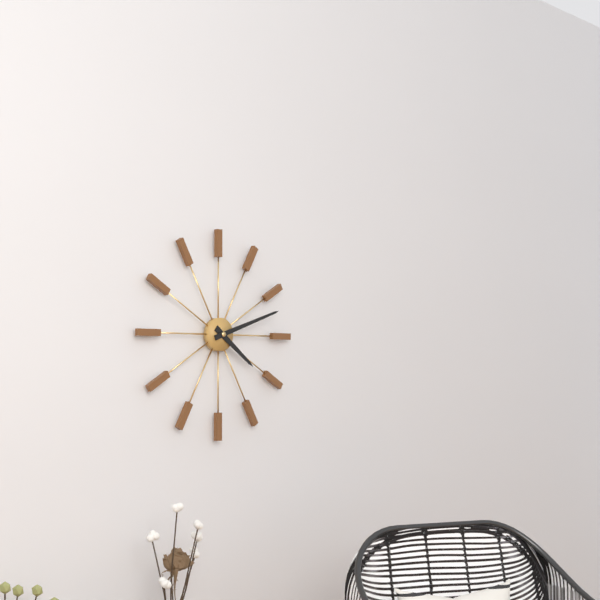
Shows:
4h12
